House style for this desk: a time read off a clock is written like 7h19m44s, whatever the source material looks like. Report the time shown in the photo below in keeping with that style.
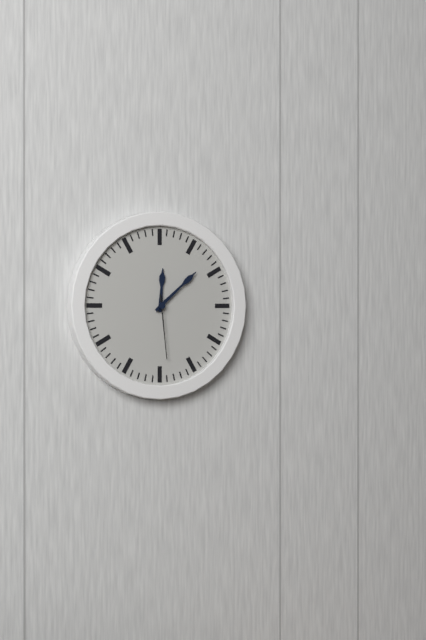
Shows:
12h08m29s
